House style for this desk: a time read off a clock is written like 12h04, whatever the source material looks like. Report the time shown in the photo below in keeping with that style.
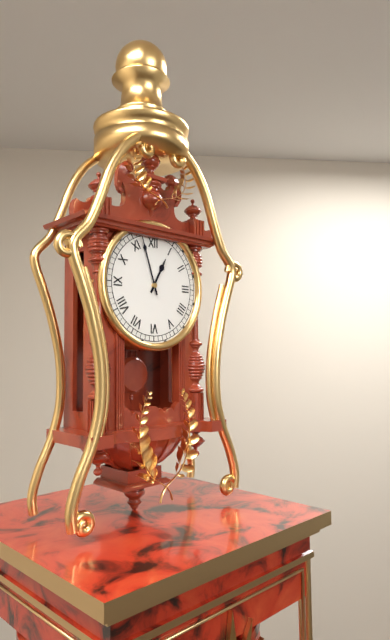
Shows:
12h57
